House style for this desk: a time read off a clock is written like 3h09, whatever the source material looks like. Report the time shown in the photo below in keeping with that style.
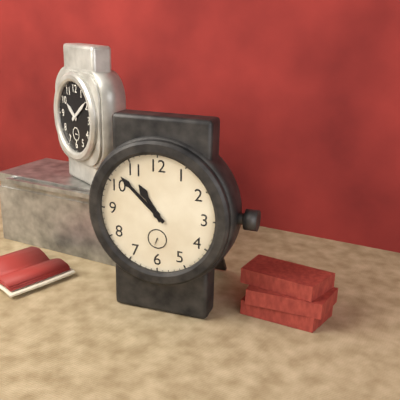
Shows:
10h52
